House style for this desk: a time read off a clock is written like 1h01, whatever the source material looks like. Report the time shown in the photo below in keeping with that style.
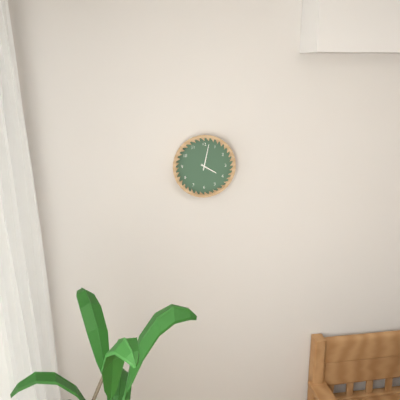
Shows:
4h02
